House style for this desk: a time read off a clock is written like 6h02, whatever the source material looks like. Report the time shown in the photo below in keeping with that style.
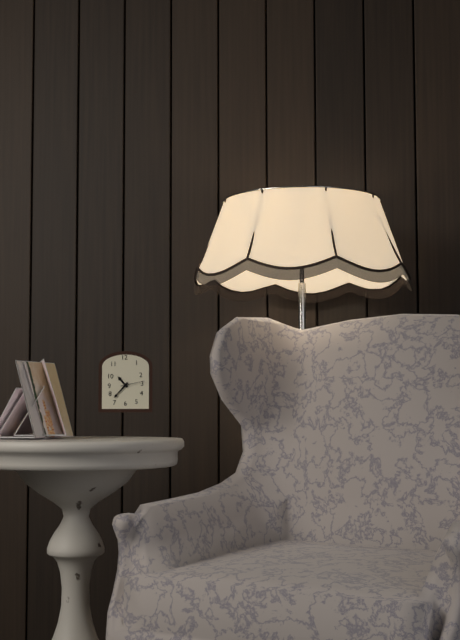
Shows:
10h37
